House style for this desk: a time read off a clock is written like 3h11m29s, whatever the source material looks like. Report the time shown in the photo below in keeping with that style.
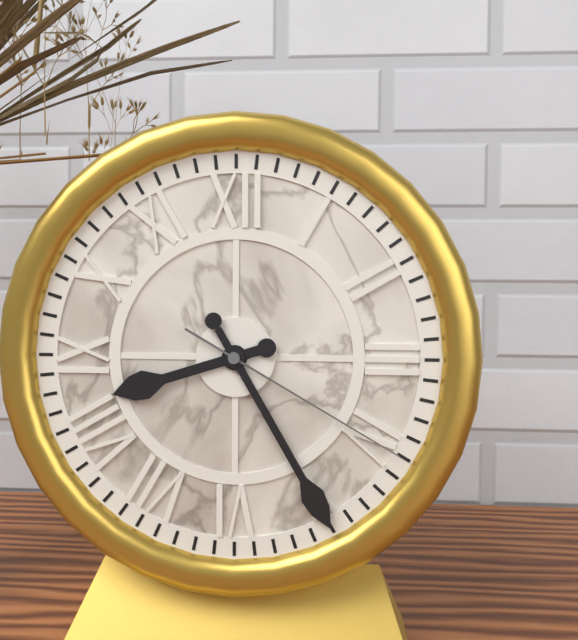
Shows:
8h25m20s
